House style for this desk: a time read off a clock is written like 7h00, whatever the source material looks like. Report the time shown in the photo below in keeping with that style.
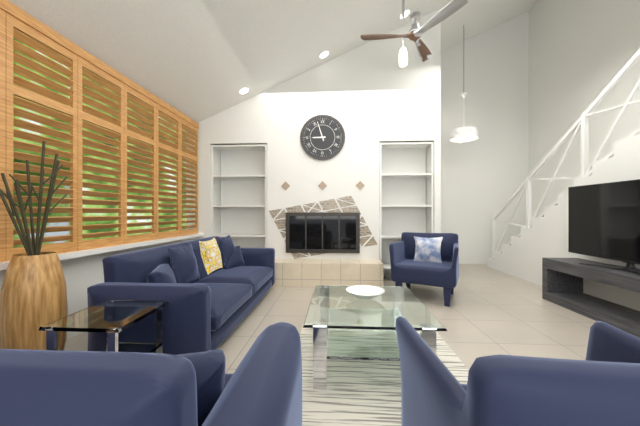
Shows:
8h57
